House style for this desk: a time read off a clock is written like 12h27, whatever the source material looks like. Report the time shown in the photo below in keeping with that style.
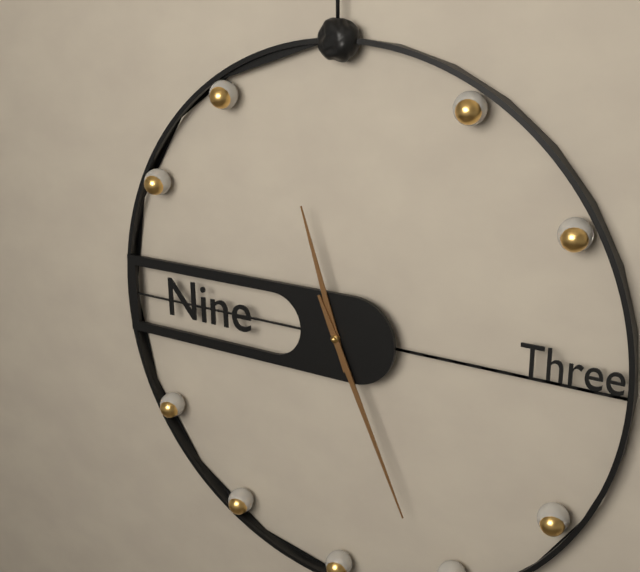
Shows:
11h26
